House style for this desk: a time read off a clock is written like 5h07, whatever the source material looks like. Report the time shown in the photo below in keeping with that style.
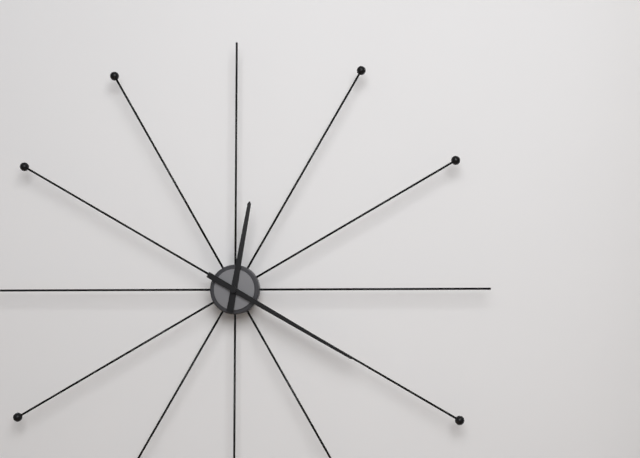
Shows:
12h20
